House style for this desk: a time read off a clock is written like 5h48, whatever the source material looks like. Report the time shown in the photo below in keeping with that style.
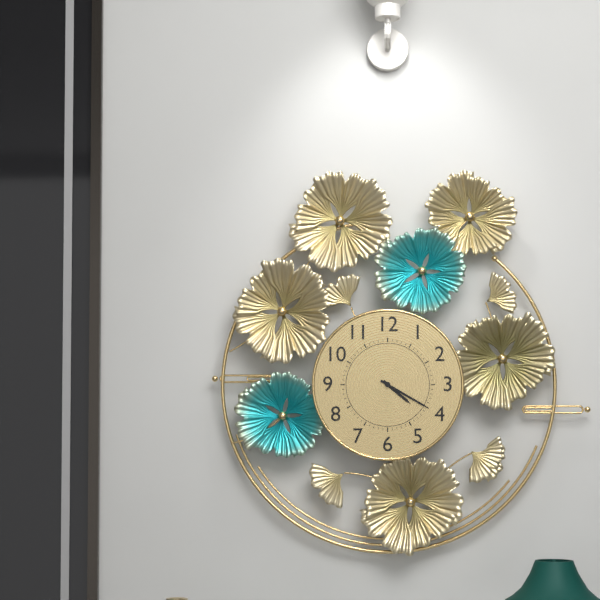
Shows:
4h20
